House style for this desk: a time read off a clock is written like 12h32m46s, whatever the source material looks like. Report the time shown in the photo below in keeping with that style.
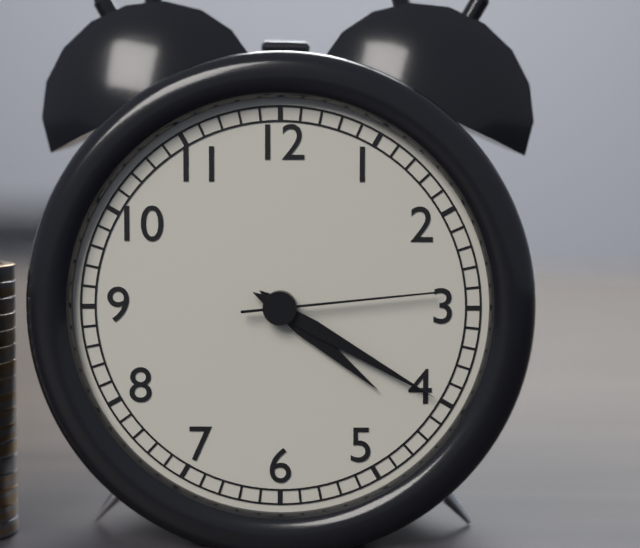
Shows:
4h20m14s
